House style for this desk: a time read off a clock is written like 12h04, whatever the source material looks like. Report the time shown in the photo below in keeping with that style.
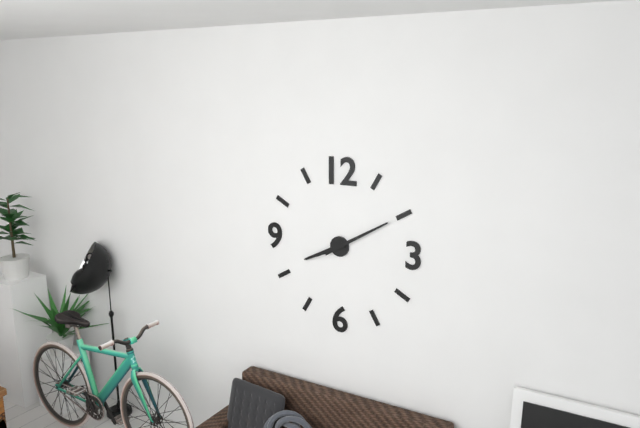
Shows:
8h10
